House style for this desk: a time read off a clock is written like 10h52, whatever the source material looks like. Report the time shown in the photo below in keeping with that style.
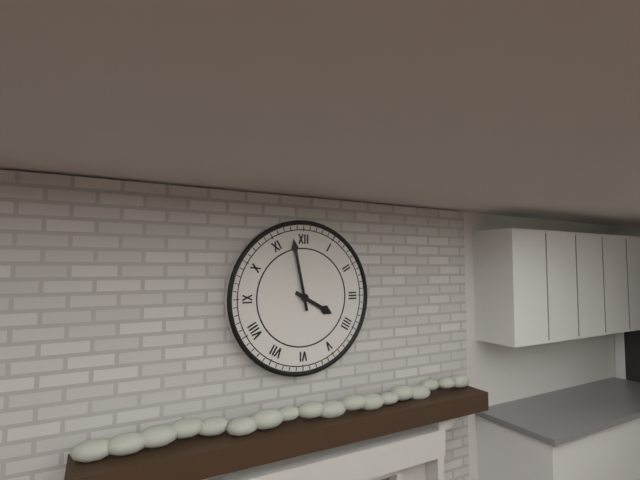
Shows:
3h58
